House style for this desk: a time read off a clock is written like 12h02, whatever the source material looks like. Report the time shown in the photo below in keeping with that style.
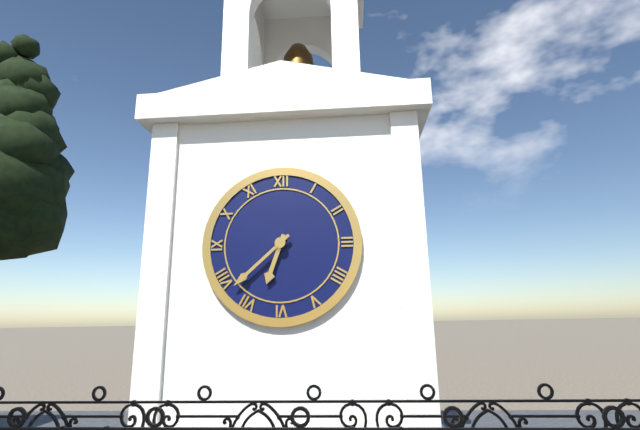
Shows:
6h38
